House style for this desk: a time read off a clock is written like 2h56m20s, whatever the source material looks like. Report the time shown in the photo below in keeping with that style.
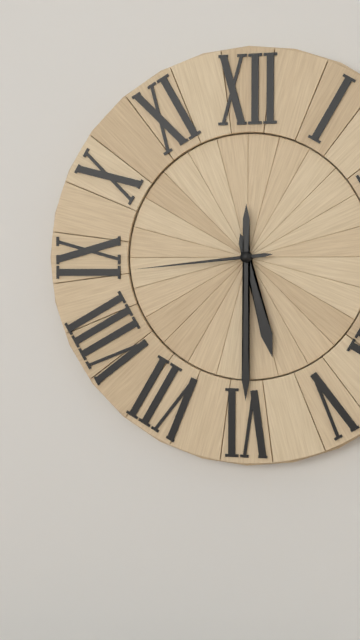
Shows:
5h30m44s
